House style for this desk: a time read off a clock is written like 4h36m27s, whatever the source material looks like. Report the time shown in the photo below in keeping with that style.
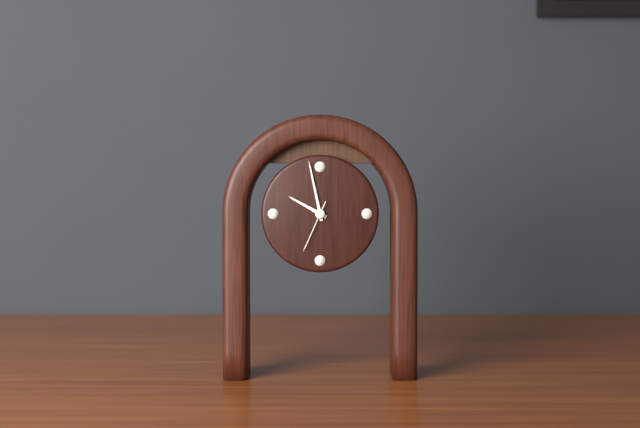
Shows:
9h58m34s
